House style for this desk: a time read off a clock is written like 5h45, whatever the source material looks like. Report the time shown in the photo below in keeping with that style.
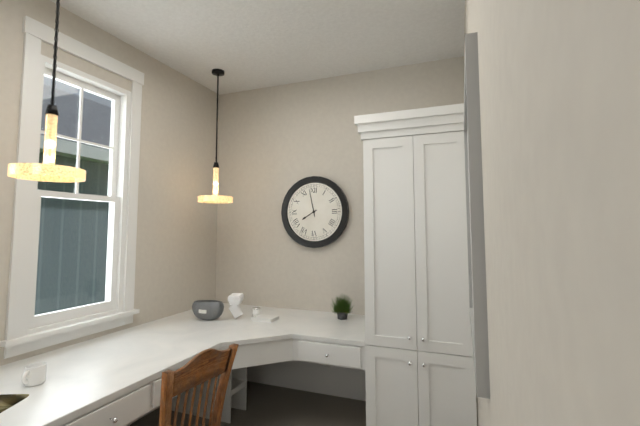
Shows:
7h58
